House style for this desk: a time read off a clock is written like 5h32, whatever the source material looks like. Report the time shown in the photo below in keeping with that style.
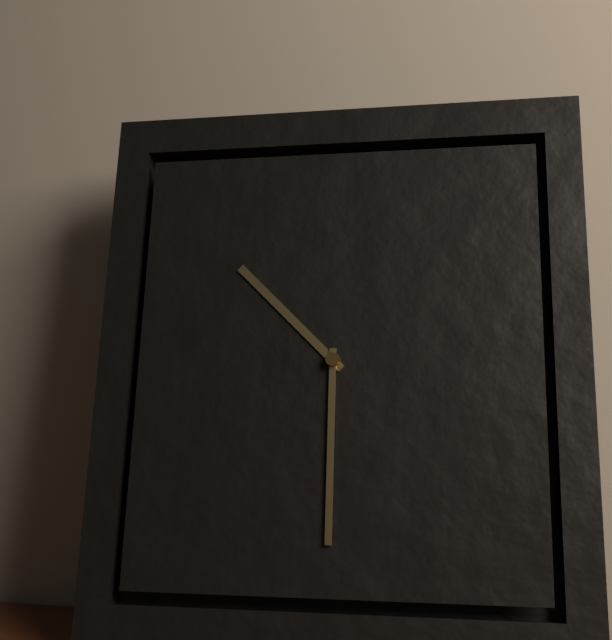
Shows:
10h30
